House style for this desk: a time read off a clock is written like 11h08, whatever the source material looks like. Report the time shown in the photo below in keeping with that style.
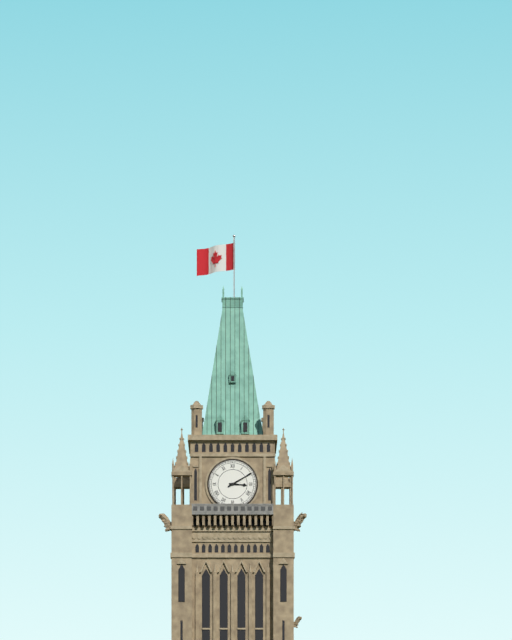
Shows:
3h10
